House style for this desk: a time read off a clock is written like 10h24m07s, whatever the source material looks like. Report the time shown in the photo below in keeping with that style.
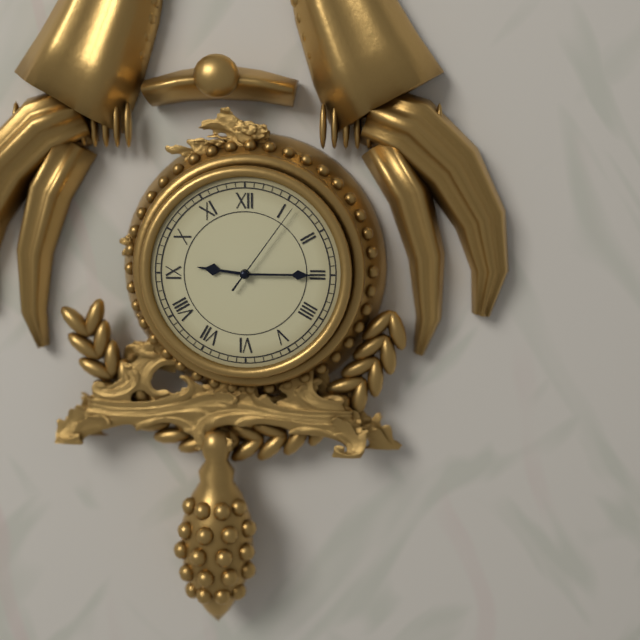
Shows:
9h15m06s
